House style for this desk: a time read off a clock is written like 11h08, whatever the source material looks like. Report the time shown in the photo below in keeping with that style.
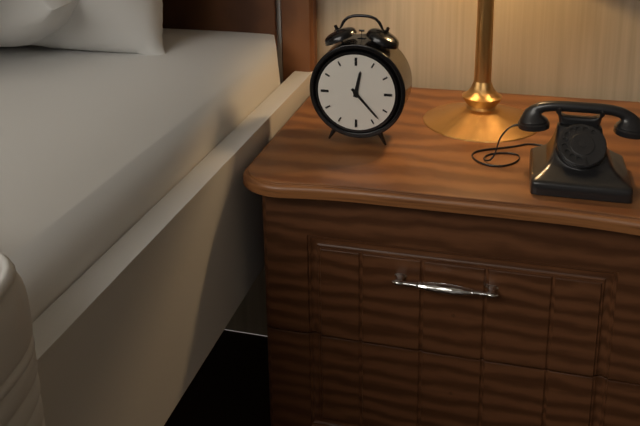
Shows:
12h23
